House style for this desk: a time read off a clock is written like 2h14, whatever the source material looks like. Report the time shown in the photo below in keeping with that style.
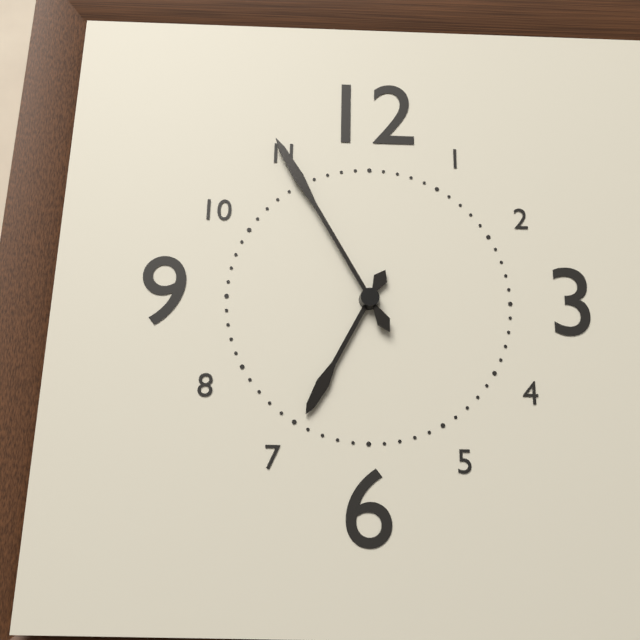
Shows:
6h55
